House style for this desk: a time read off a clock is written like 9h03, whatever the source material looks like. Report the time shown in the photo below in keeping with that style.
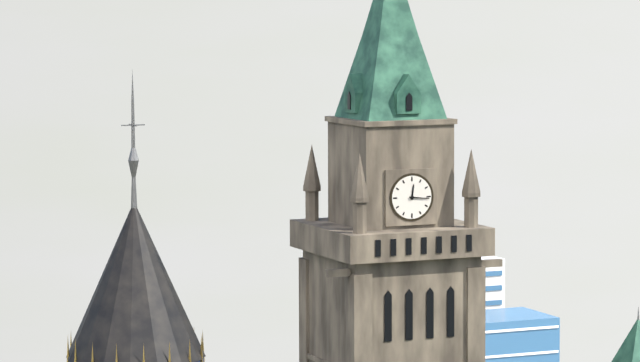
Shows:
12h16
